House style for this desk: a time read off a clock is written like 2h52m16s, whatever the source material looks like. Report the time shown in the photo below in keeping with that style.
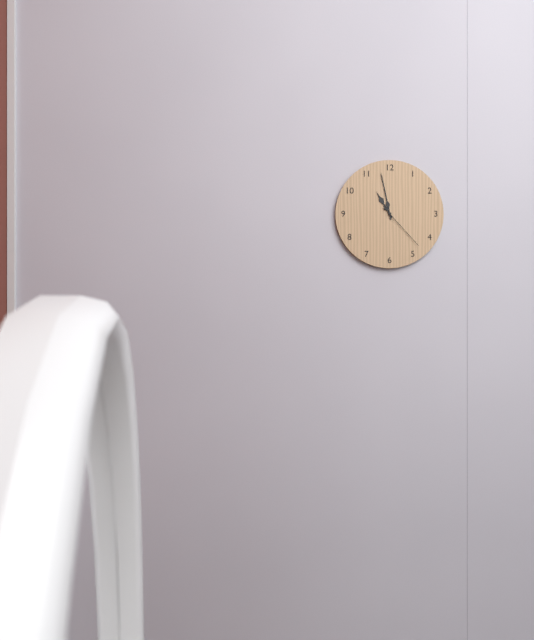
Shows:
10h58m23s
